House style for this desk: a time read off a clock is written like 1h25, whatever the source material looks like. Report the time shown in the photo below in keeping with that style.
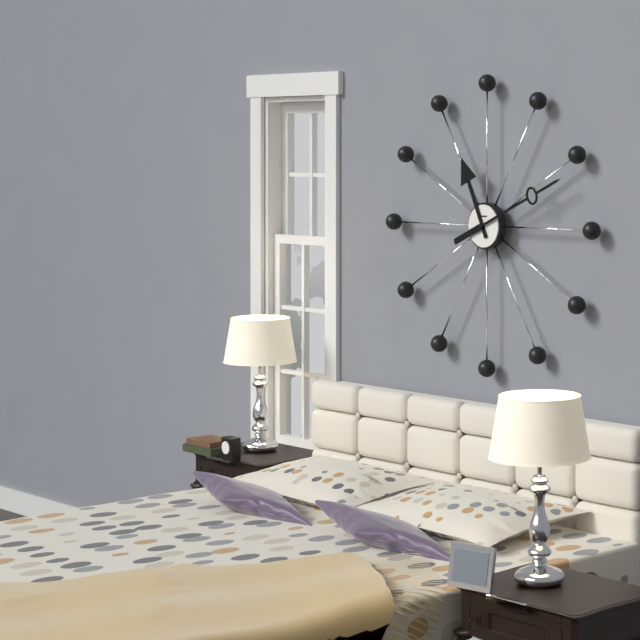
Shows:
11h11
